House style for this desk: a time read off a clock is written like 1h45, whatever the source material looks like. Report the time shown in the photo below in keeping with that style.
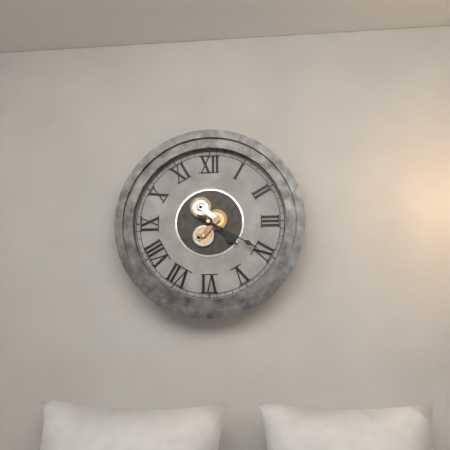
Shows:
4h20
